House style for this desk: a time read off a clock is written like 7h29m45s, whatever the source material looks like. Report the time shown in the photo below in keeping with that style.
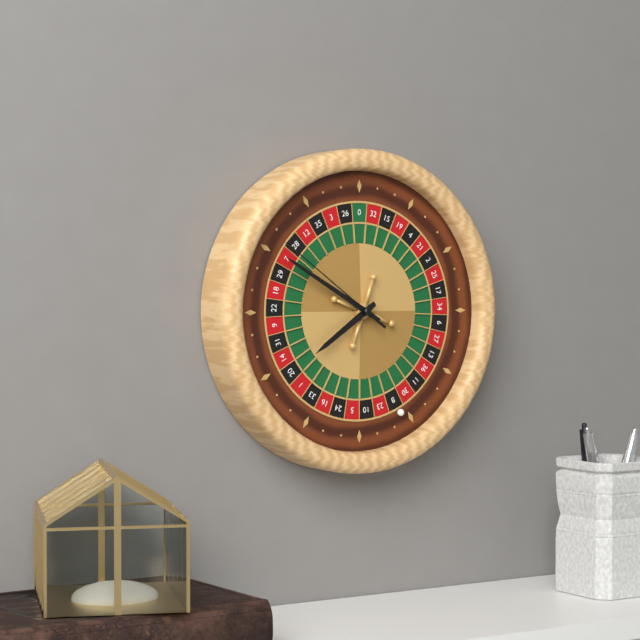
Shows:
7h50m51s
